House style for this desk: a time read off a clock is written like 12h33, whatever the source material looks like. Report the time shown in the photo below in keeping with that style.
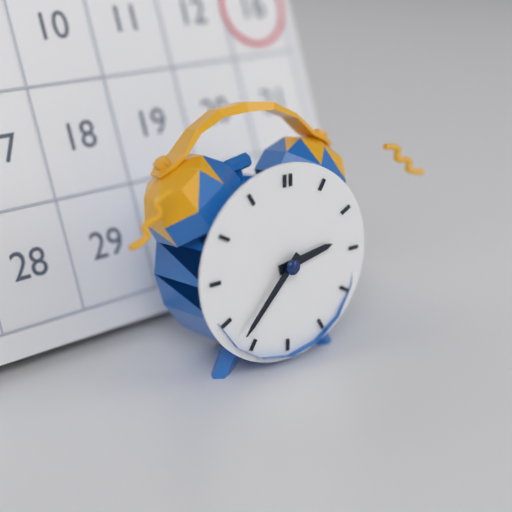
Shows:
2h37
